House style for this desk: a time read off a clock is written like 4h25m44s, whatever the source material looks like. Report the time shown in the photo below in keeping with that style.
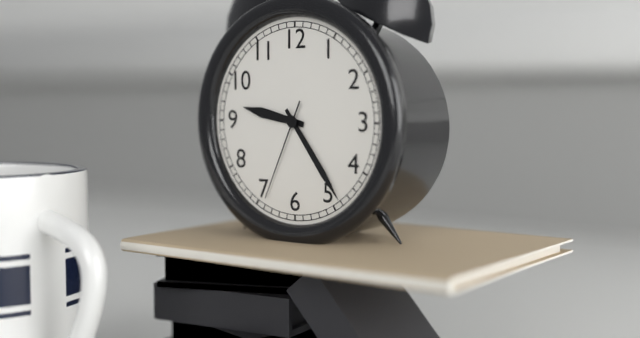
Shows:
9h24m34s
